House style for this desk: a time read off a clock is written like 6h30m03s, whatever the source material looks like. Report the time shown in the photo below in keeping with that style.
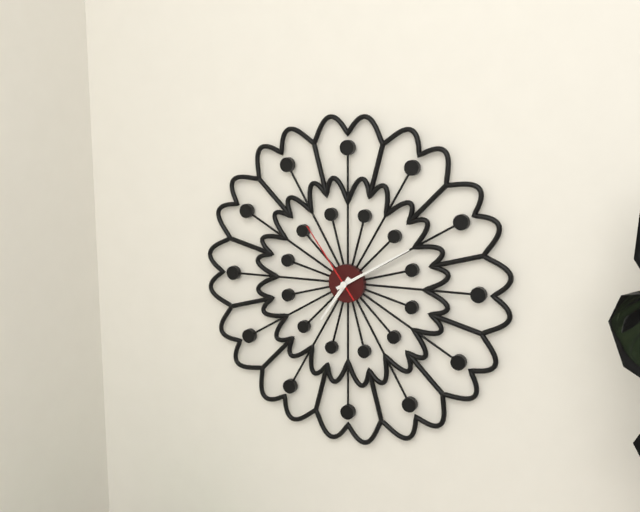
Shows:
7h10m54s
